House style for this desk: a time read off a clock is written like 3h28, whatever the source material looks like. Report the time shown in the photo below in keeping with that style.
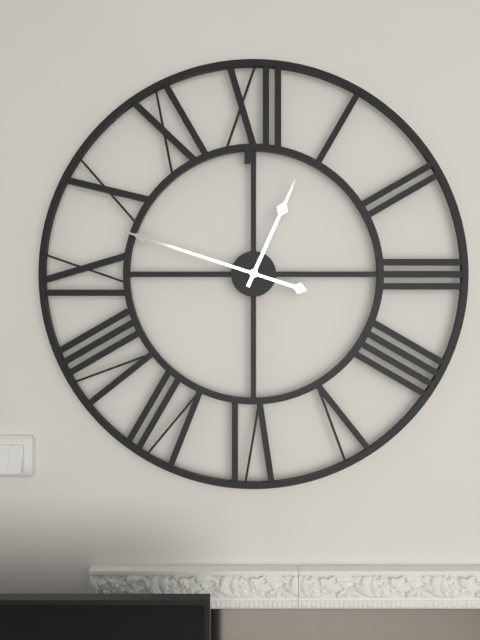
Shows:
12h48
